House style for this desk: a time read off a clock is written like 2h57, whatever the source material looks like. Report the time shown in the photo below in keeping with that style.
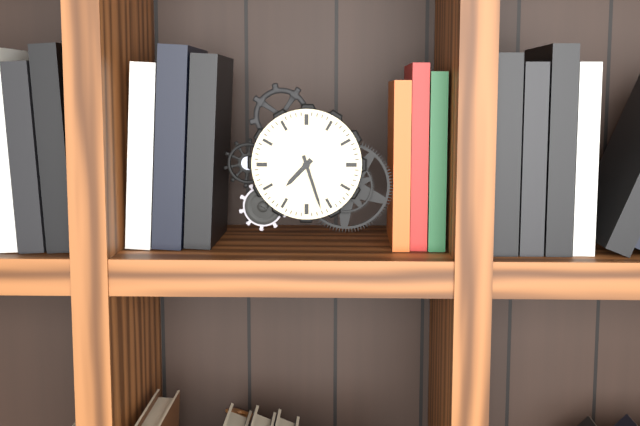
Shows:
7h27
